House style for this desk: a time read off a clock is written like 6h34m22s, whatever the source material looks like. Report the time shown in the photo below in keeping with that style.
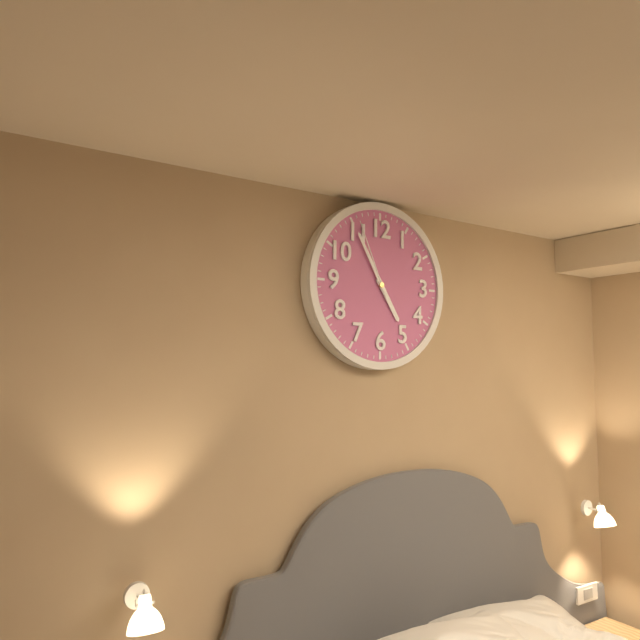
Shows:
4h55m56s
